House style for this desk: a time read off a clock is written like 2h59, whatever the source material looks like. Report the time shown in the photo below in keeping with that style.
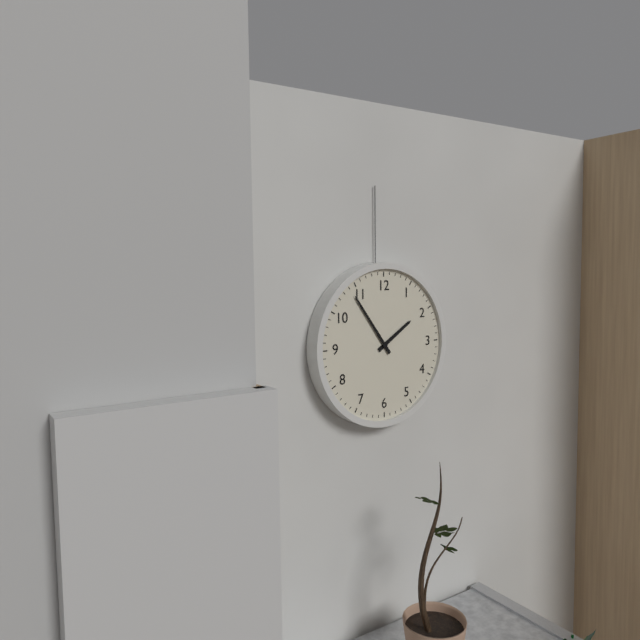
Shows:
1h54
